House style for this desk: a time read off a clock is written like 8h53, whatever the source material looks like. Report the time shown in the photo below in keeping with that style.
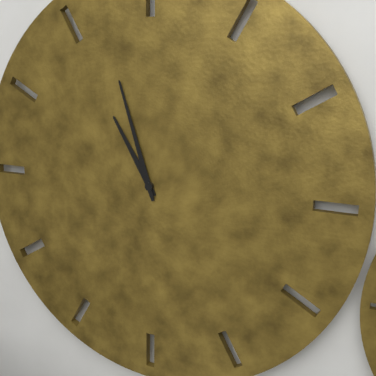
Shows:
10h57
